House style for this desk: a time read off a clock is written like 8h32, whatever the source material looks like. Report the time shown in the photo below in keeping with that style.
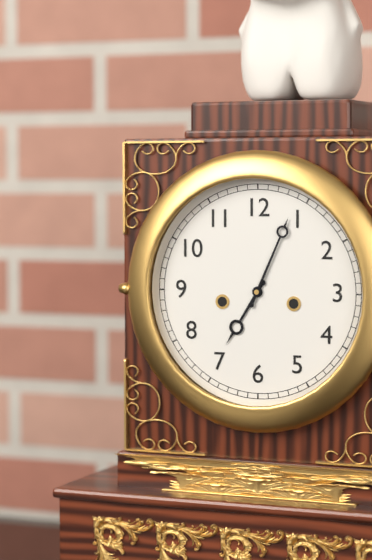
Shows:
7h04
